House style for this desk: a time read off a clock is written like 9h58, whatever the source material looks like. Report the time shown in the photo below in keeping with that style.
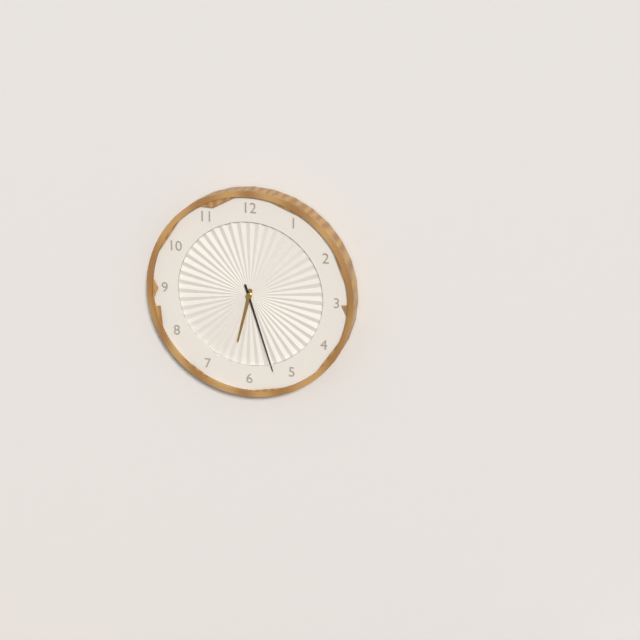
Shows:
6h27
